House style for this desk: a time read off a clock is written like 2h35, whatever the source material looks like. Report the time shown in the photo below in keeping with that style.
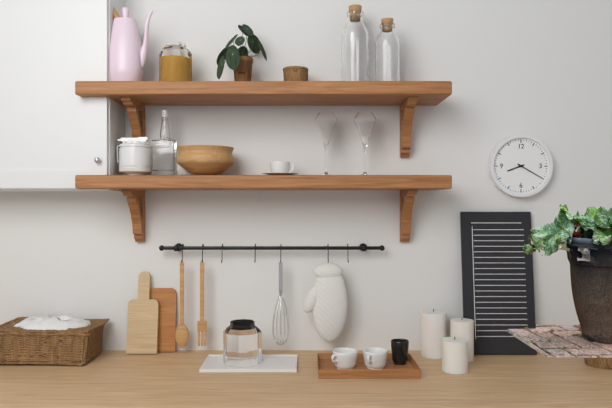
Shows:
8h20
